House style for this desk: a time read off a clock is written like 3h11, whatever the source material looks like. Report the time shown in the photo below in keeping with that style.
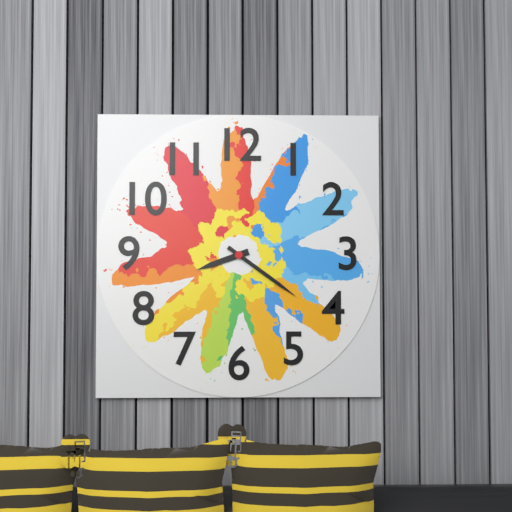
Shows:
8h21
